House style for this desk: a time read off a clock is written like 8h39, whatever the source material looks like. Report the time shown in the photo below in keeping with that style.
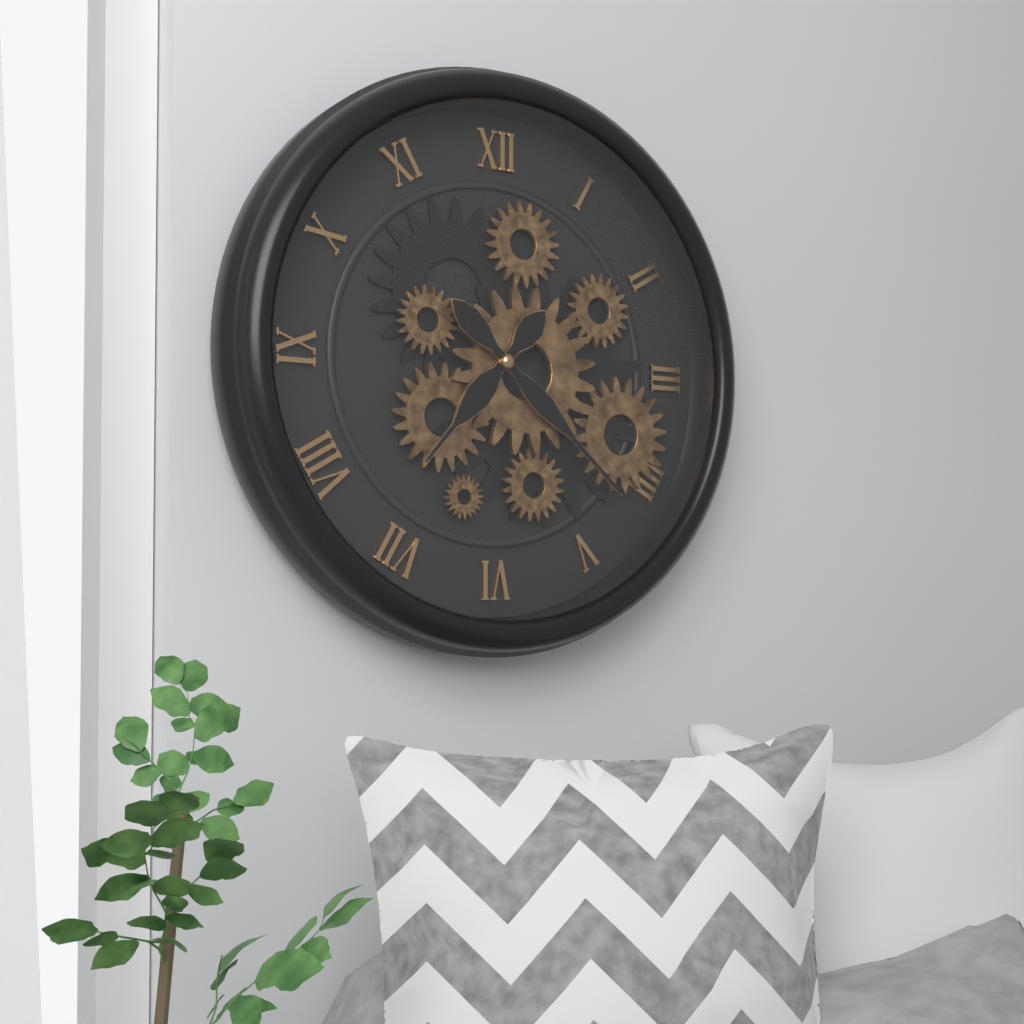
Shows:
7h22
